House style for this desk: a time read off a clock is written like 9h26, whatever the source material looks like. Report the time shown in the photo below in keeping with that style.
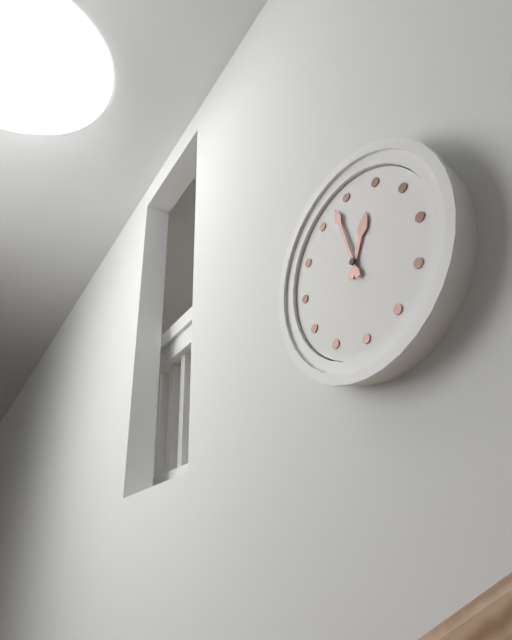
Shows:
12h58
